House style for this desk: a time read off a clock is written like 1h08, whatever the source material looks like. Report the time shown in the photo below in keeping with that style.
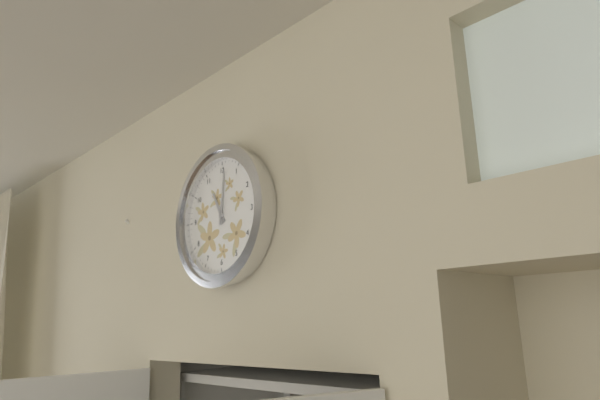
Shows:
11h01
